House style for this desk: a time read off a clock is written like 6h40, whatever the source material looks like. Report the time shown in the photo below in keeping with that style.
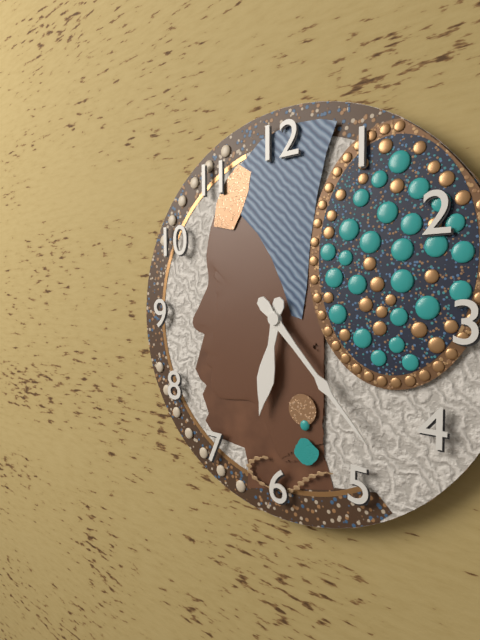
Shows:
6h23
